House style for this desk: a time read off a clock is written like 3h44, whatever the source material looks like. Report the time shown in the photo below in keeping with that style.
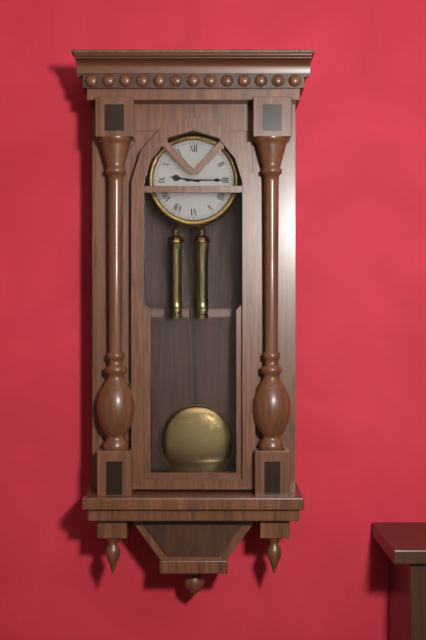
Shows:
9h15
